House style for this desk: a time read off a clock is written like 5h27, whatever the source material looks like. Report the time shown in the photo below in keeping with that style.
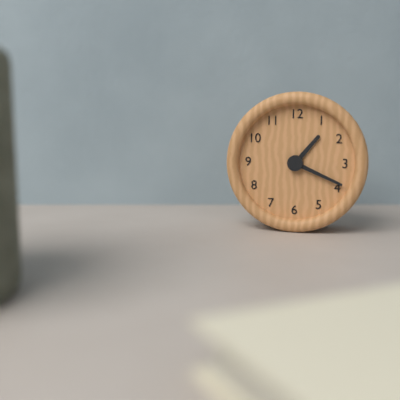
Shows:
1h19
